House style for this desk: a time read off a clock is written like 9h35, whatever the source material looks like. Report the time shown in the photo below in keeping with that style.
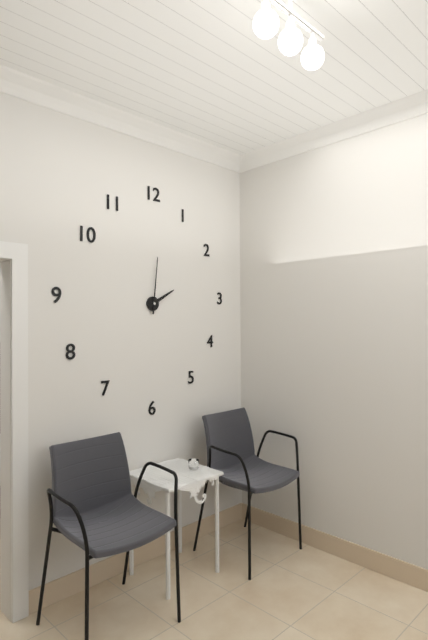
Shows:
2h01
